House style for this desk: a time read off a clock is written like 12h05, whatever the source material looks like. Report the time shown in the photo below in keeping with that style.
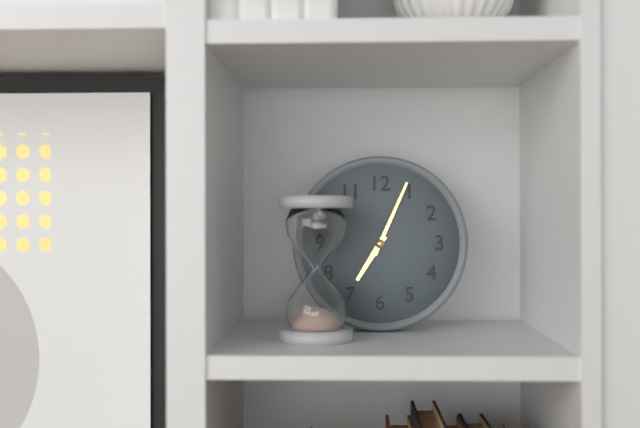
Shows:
7h04
